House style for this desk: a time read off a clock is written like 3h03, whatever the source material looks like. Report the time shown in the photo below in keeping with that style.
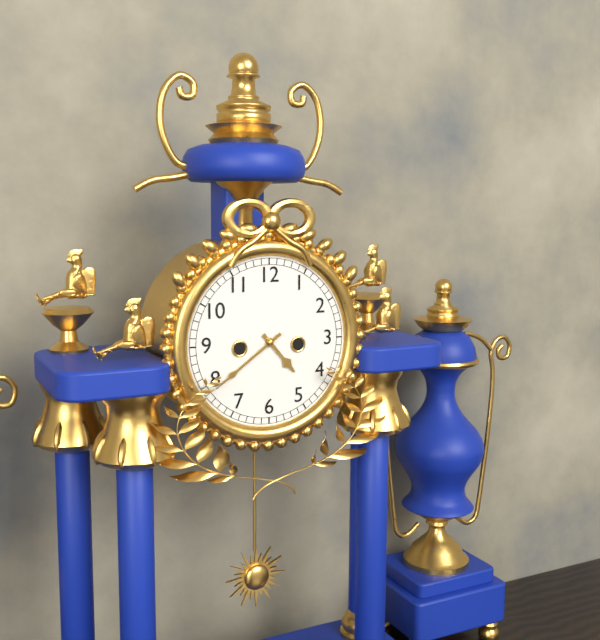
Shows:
4h39
